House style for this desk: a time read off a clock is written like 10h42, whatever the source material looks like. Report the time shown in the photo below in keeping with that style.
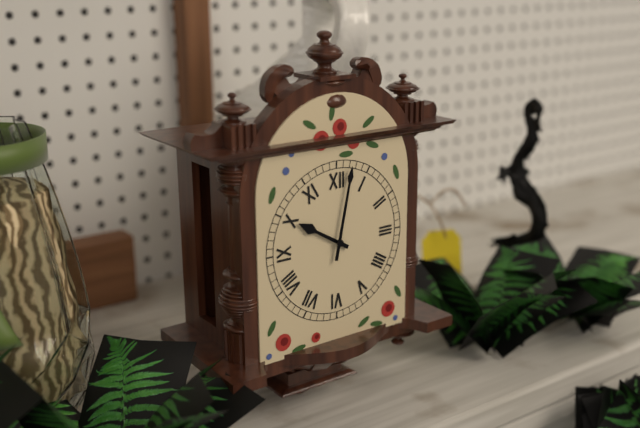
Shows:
10h02
